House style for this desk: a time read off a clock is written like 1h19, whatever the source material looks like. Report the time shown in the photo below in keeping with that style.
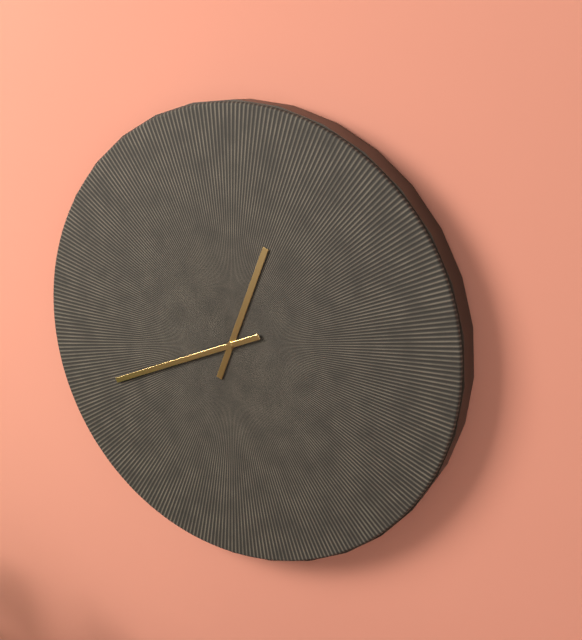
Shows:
12h41
